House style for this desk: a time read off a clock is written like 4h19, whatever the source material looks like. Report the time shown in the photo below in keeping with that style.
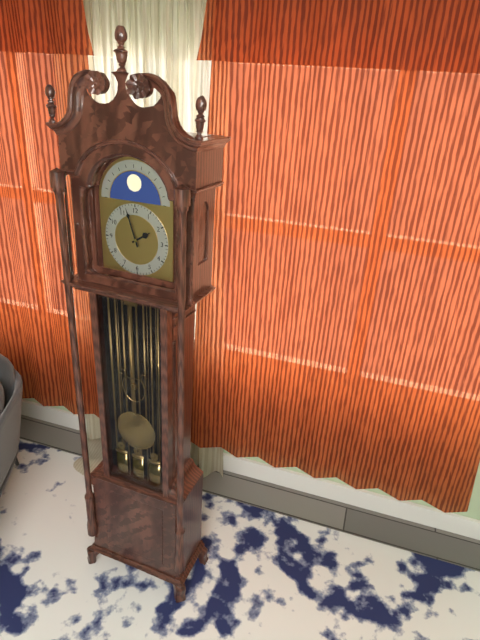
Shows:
1h57
